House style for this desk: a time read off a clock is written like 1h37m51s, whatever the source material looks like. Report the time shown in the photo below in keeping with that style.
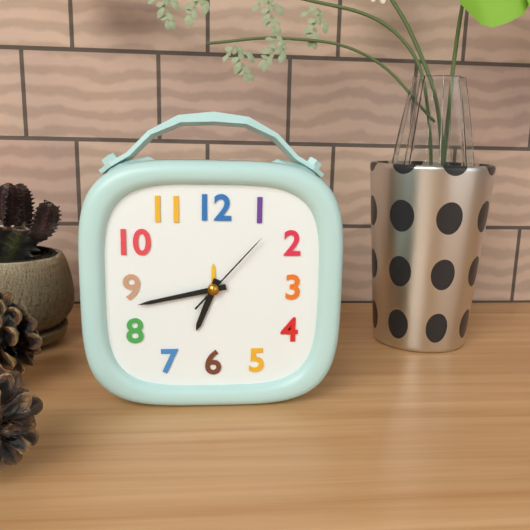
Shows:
6h43m07s
